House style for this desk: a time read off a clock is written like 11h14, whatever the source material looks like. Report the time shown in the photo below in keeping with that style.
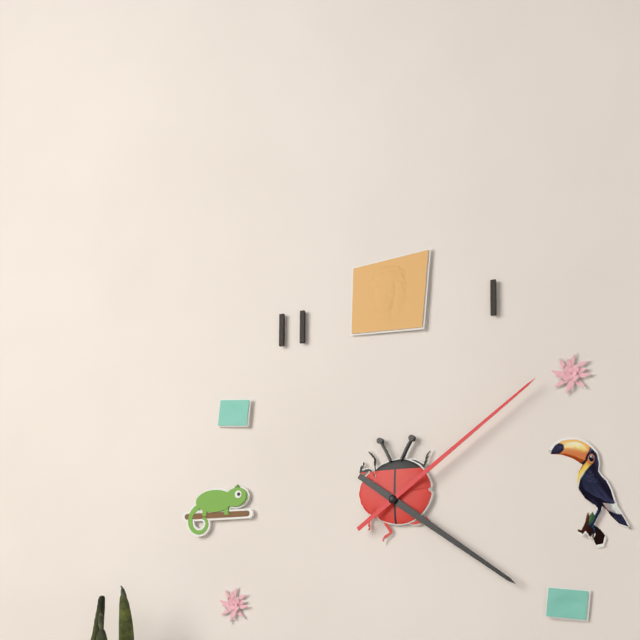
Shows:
4h09
